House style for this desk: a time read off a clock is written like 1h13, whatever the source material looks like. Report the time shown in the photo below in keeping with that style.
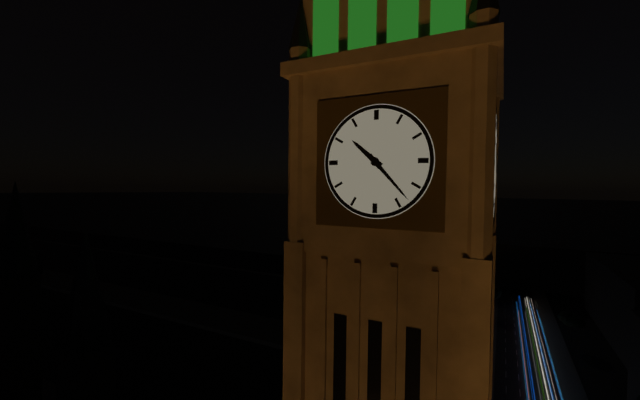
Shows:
10h23
